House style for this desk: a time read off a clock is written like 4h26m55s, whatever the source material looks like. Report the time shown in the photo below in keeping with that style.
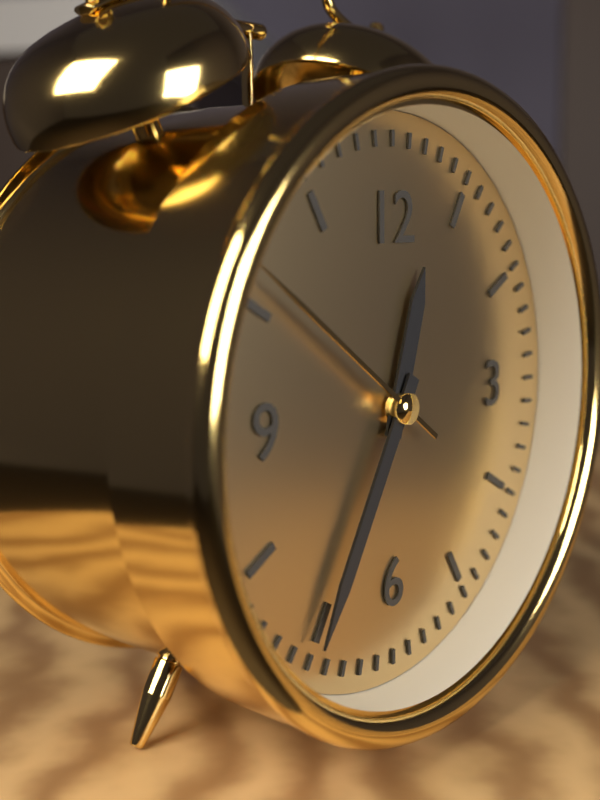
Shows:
12h35m51s
